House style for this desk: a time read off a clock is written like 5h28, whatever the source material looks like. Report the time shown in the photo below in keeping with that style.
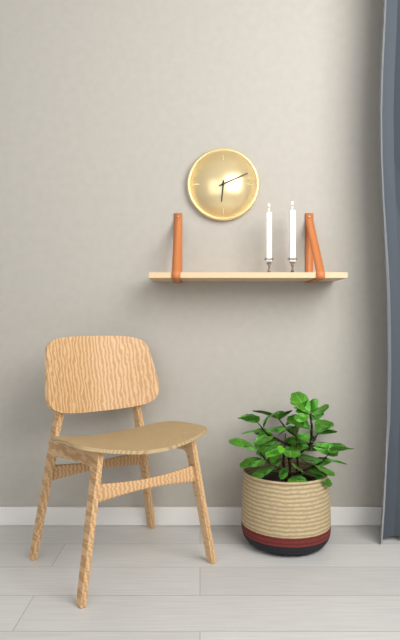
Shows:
6h11
